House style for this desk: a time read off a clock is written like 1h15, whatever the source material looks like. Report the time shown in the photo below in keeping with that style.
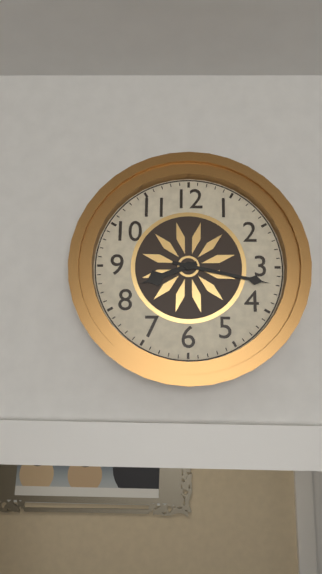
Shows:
8h17
